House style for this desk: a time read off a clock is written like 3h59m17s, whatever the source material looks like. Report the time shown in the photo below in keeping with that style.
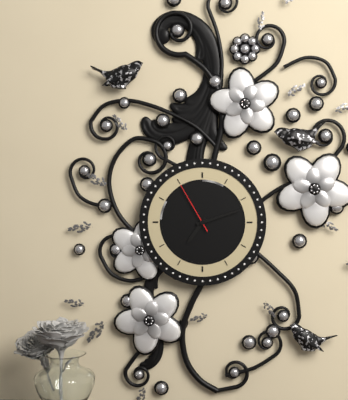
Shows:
7h12m55s
